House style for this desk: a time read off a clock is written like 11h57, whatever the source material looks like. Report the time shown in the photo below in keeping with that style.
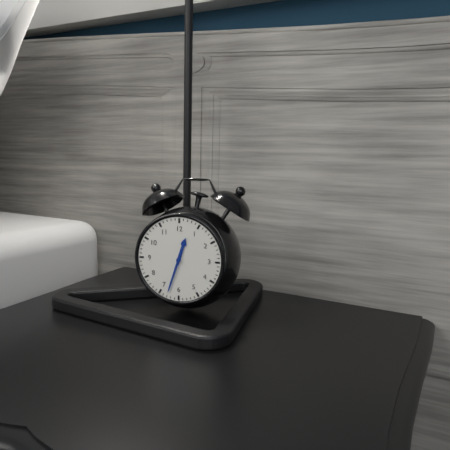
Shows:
12h33
